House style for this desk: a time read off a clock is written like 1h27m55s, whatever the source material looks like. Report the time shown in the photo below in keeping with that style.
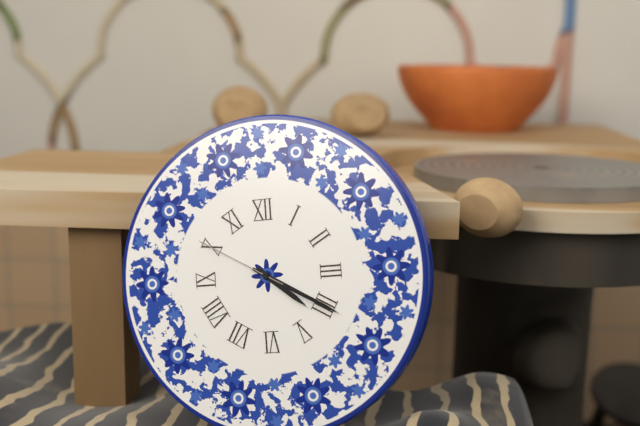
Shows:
4h20m50s
